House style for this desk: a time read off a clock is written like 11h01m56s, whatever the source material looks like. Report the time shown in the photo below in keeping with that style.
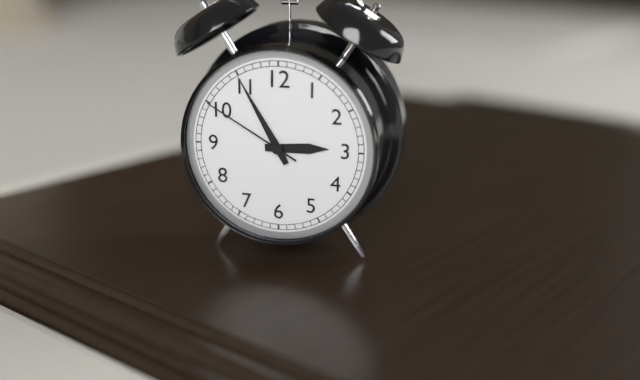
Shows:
2h55m50s
